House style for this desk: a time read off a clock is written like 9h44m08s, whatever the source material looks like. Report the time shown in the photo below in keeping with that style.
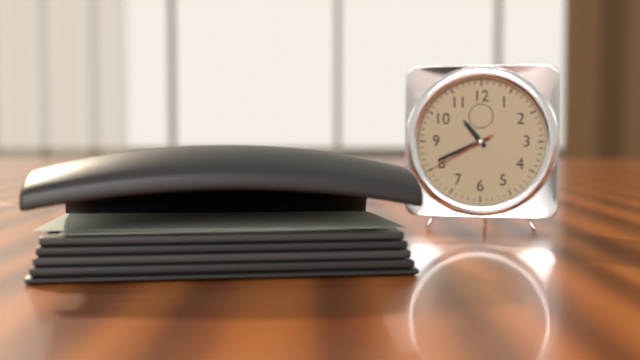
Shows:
10h41m40s
